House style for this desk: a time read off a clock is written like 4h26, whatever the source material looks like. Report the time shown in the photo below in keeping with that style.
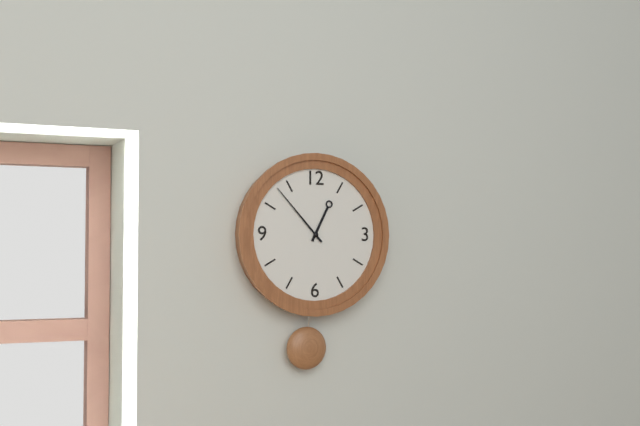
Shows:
12h53
